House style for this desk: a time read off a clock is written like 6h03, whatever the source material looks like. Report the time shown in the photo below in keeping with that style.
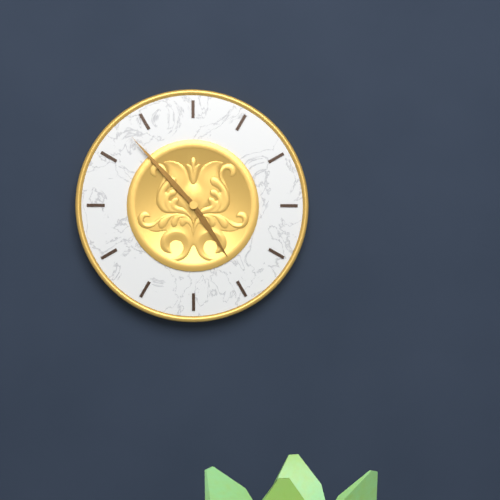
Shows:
4h53
